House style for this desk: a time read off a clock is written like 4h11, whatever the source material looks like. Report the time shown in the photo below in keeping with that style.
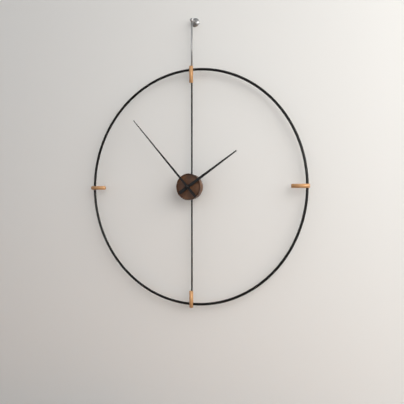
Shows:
1h53
